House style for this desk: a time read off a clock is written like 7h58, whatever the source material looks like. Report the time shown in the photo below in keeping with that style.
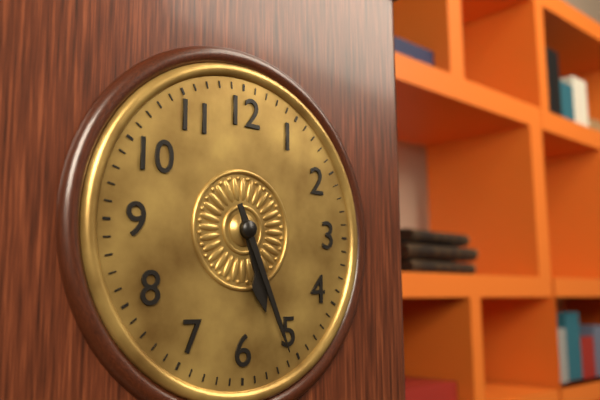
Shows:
5h26
